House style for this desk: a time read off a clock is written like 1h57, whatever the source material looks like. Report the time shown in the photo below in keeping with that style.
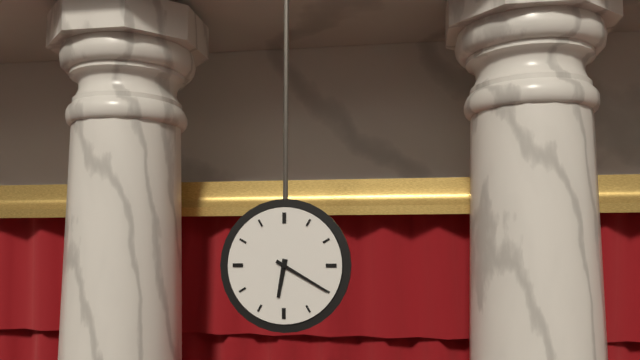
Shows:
6h20
